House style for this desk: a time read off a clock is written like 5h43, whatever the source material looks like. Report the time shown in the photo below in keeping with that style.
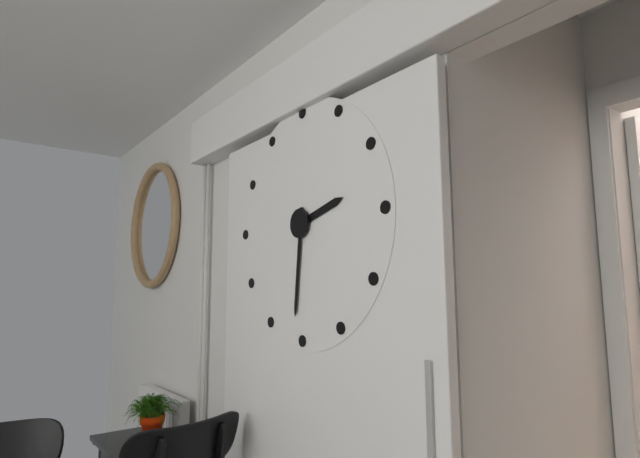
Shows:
2h31
